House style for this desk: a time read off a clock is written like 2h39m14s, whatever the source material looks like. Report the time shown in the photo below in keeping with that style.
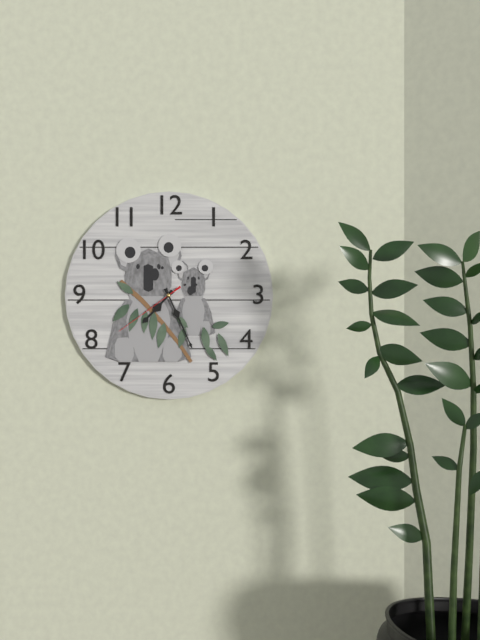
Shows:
7h26m39s
